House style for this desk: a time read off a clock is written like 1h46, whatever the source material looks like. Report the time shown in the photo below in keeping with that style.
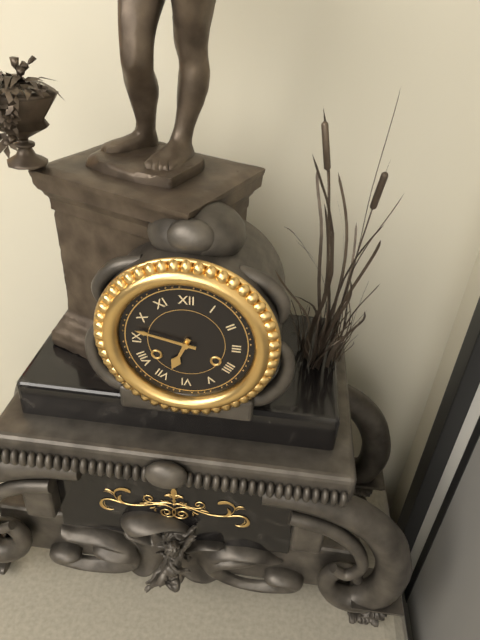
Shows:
6h47
